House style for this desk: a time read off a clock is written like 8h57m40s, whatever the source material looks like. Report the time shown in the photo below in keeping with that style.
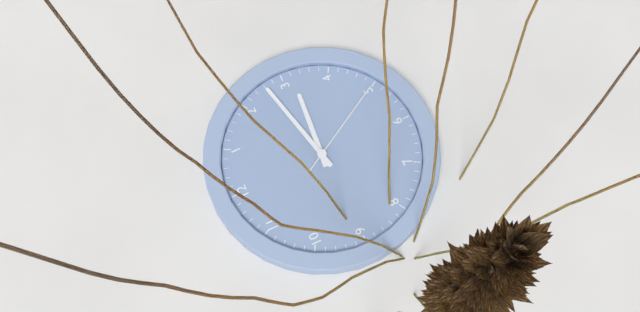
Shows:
3h13m25s
